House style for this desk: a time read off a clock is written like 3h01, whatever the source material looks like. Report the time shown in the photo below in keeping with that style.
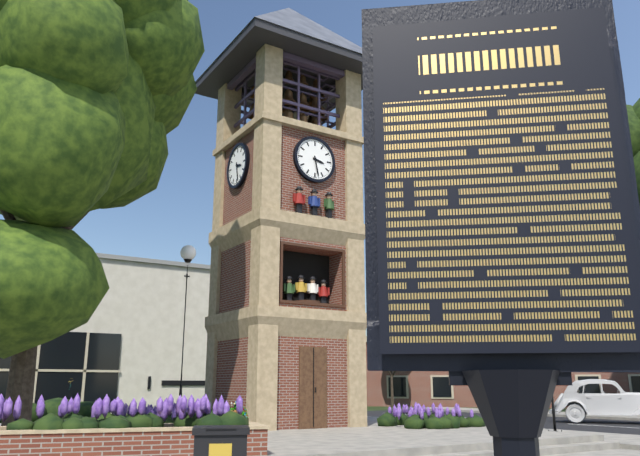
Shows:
3h28
